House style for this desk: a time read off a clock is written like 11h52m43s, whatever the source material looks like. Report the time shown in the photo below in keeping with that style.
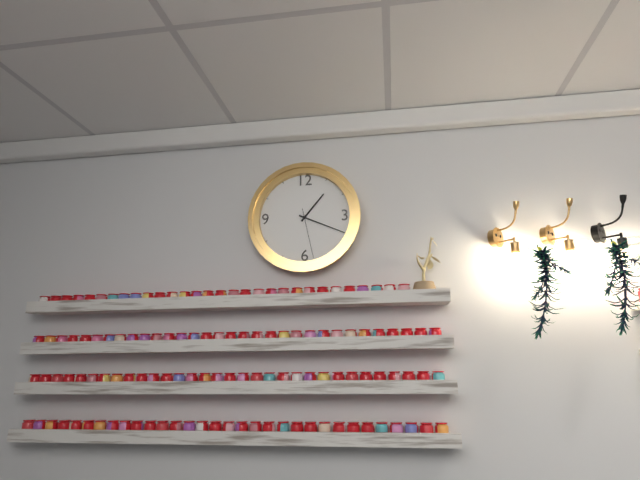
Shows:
1h19m28s
